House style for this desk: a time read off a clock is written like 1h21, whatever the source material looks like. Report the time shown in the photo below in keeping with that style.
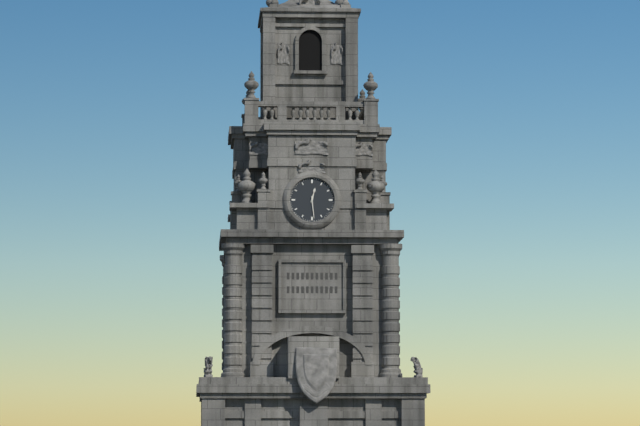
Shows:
12h29
